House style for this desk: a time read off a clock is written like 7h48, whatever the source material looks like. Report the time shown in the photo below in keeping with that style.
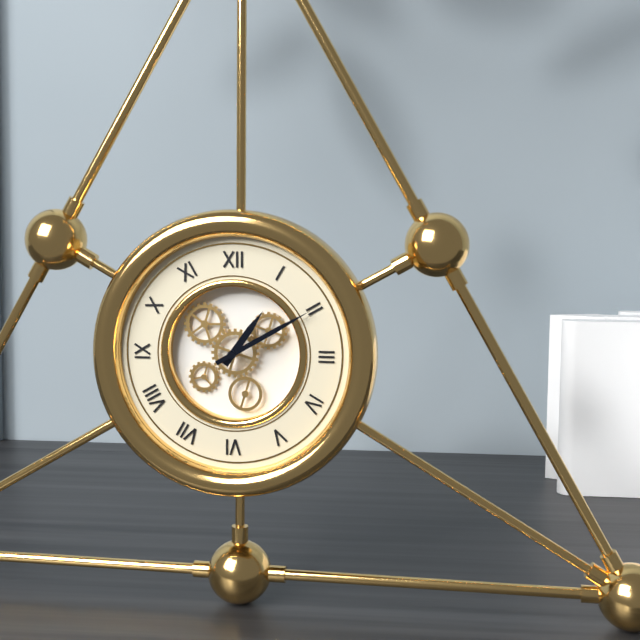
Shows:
1h10
